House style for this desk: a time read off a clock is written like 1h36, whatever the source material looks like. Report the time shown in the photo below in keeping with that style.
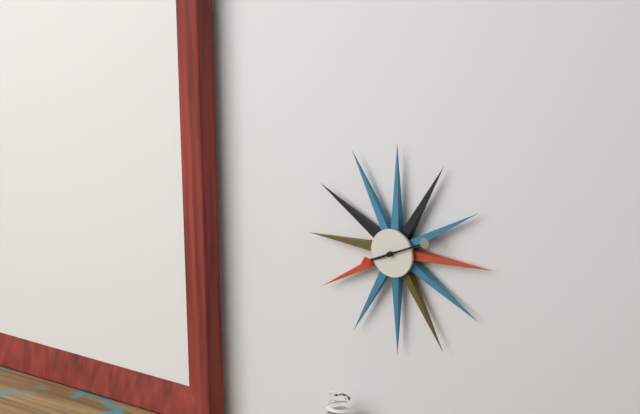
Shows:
8h11
